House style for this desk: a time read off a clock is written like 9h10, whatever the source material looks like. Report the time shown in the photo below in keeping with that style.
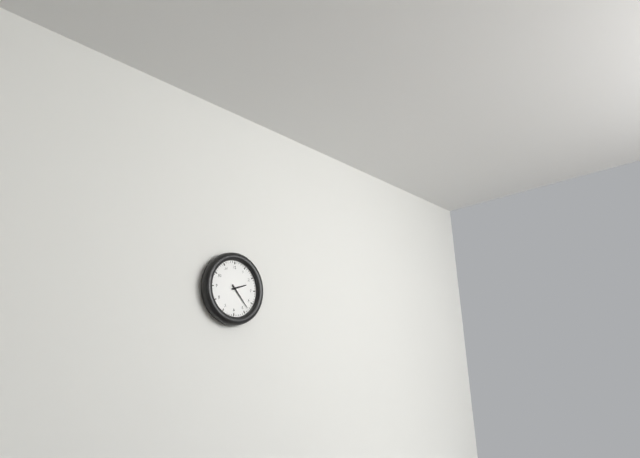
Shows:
2h23
